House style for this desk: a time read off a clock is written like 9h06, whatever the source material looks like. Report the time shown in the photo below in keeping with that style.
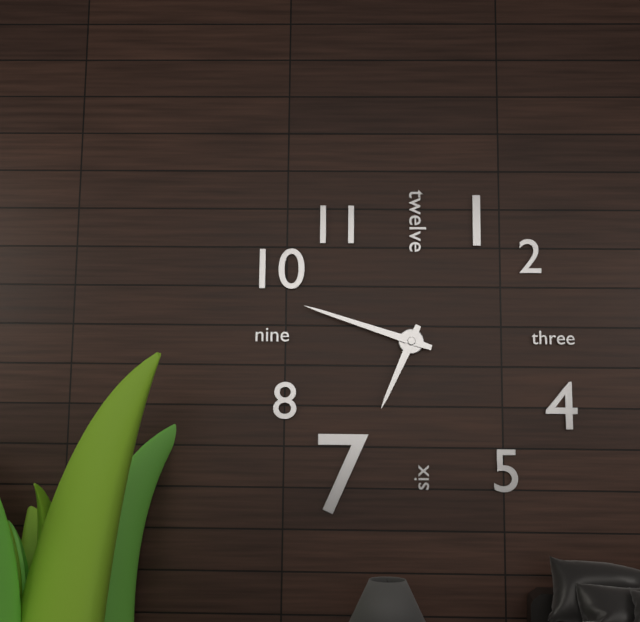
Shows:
6h48
